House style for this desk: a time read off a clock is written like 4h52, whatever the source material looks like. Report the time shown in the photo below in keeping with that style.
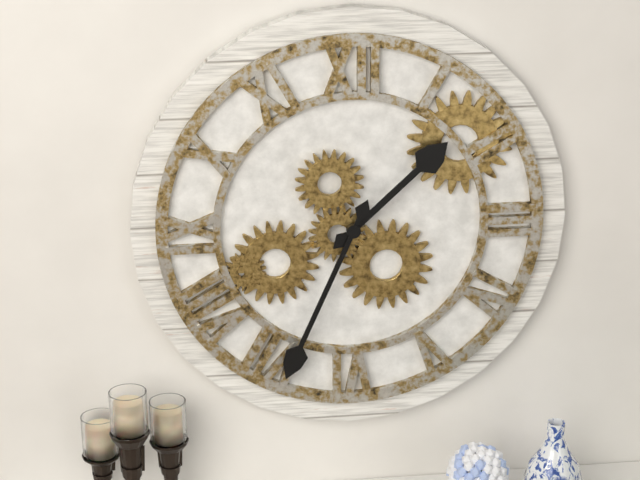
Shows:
1h34
